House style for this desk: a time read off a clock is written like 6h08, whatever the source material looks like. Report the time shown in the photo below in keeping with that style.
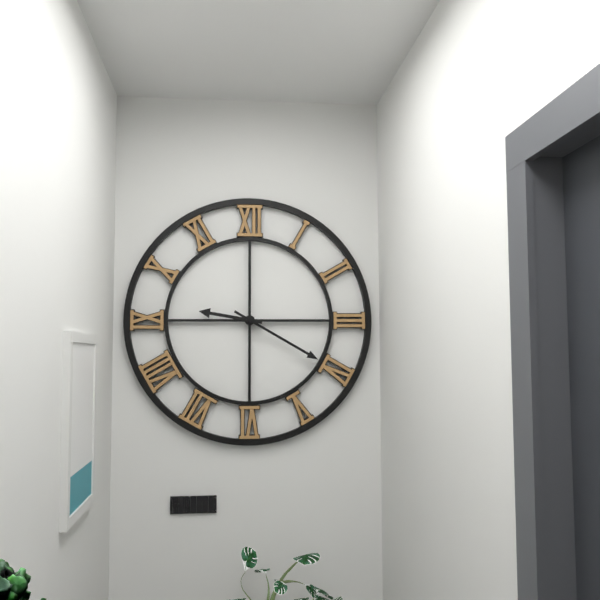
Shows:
9h20
